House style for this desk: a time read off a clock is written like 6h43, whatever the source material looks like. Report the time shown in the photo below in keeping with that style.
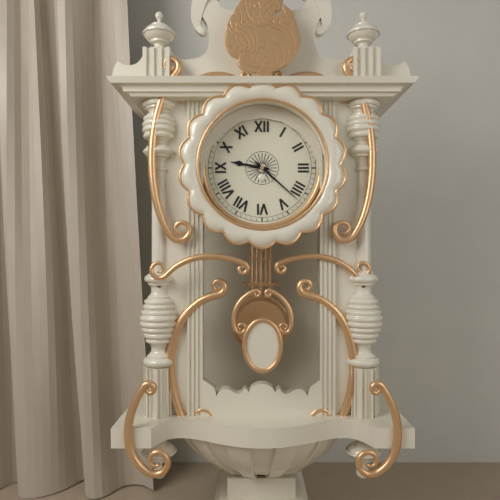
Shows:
9h22
